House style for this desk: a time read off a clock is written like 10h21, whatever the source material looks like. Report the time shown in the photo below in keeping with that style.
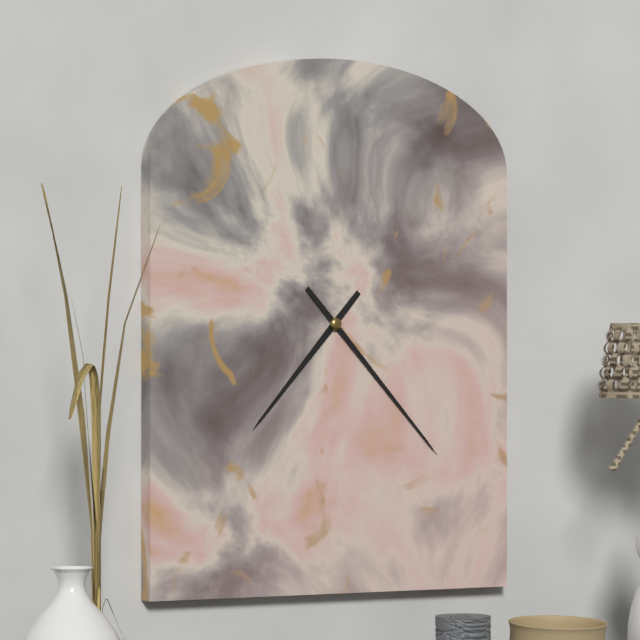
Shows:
7h23
